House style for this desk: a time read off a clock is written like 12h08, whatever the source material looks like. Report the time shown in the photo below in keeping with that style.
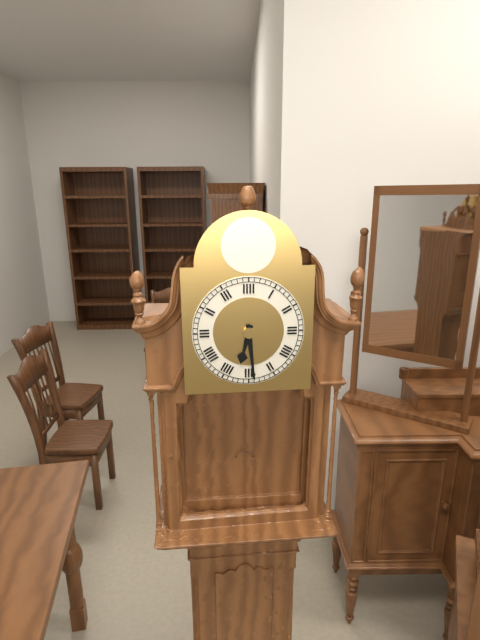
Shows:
6h29
